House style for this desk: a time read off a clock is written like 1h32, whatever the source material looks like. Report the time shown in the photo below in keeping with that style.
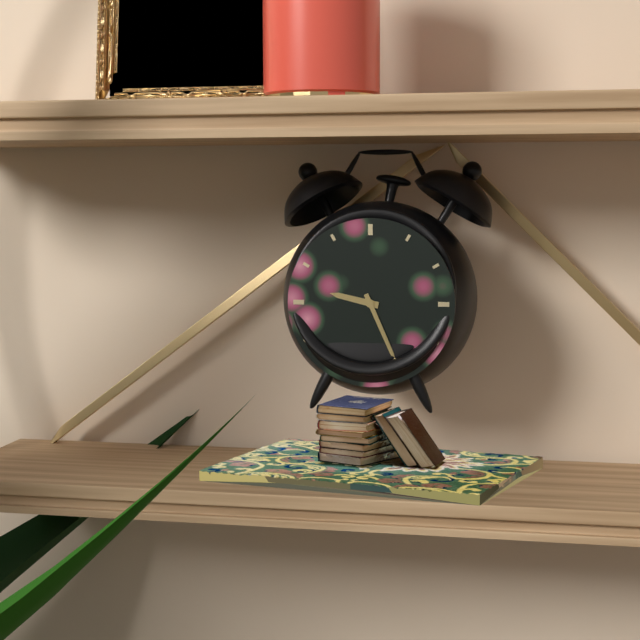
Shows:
9h26
